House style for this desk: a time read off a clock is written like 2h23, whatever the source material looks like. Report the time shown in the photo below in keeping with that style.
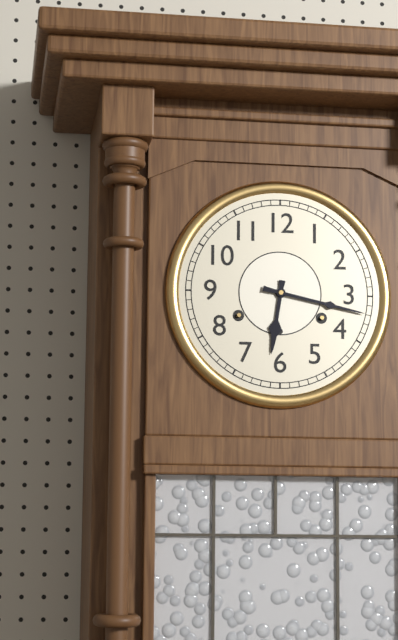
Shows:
6h17
